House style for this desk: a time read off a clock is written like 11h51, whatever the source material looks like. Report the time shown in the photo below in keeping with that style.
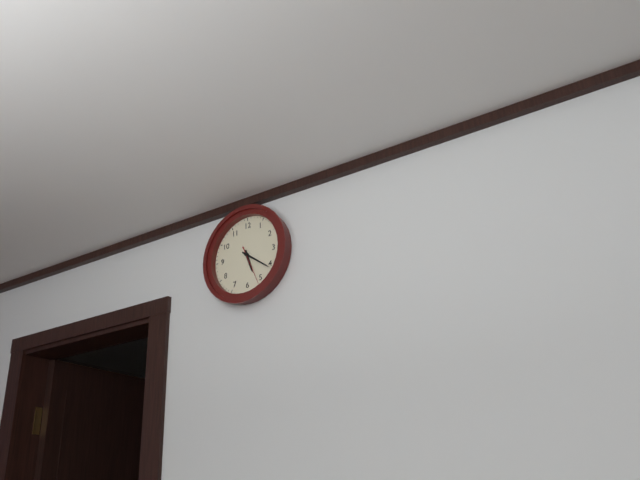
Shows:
5h21
